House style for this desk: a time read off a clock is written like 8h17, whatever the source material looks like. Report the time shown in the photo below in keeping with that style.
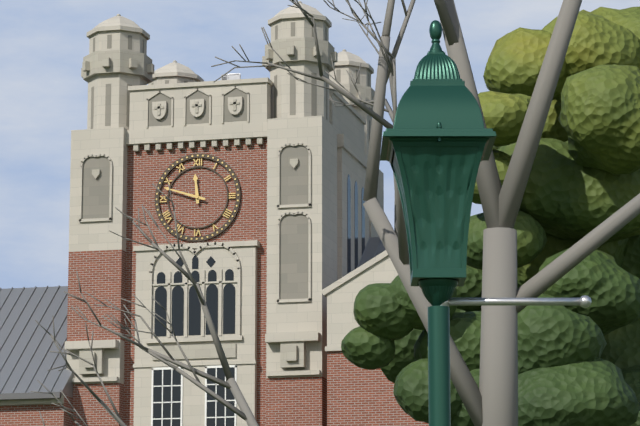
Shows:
11h48
